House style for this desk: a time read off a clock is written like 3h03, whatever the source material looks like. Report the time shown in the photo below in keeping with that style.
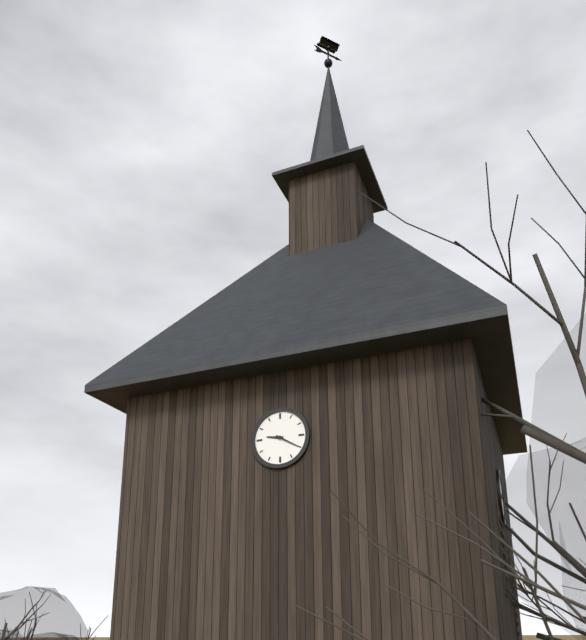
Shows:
9h20
